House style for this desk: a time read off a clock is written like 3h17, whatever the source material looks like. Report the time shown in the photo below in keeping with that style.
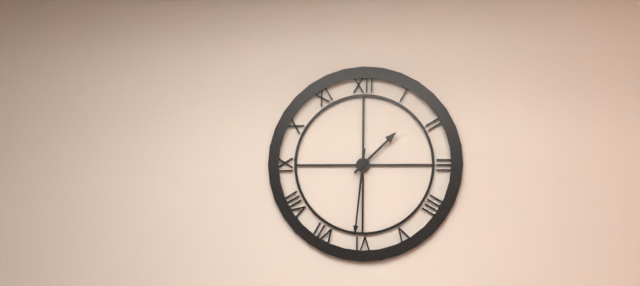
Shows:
1h31
